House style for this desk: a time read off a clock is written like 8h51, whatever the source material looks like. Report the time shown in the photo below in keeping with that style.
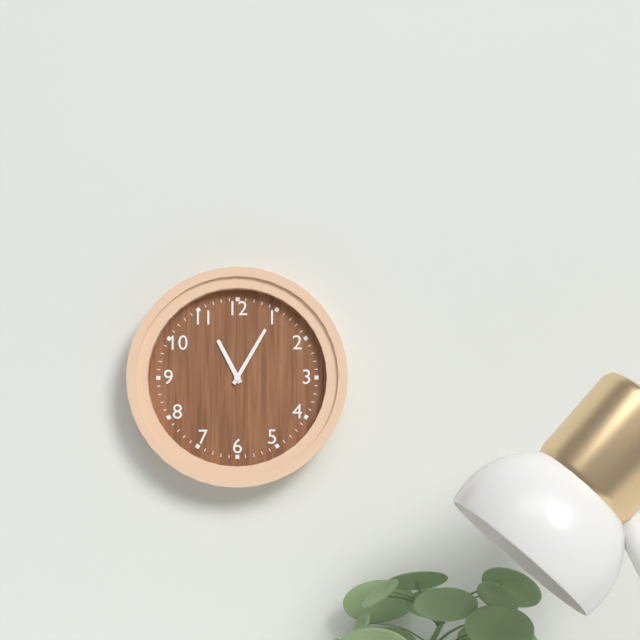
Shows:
11h05
